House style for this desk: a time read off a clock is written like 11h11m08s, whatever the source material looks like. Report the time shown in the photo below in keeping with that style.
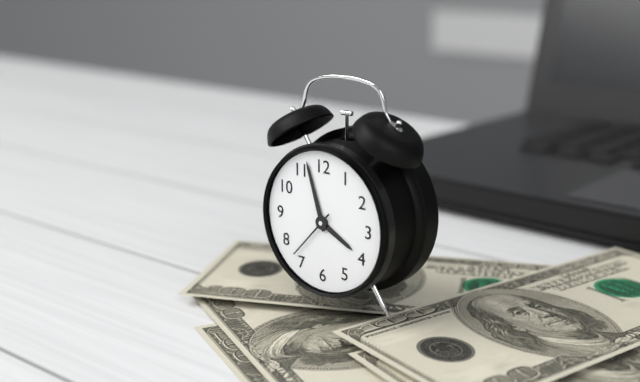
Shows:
3h57m37s
